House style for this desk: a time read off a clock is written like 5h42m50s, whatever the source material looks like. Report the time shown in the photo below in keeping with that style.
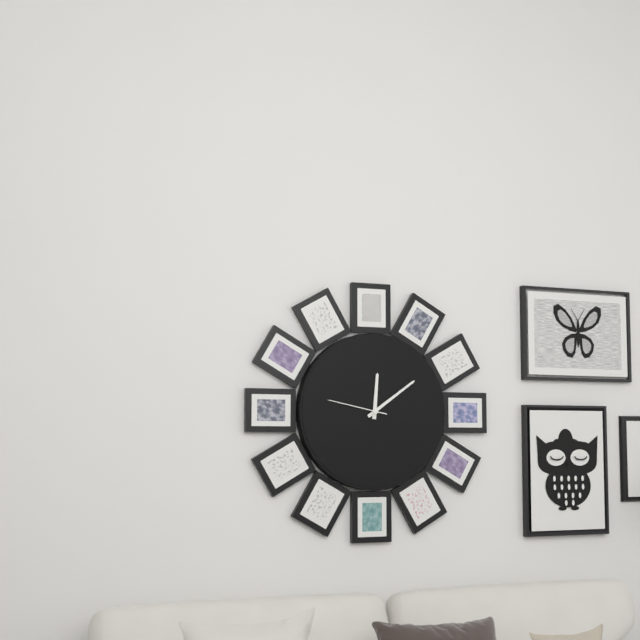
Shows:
12h09m47s
